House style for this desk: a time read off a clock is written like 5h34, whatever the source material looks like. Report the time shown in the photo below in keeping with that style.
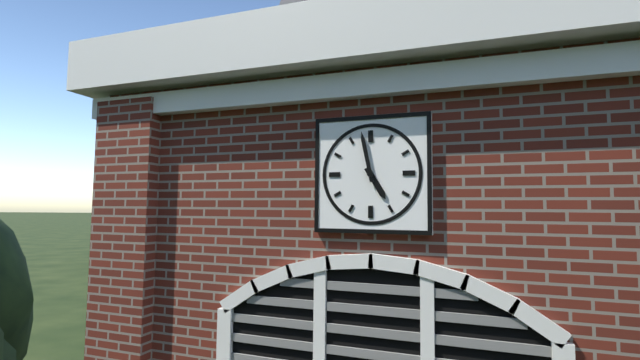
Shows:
4h58
